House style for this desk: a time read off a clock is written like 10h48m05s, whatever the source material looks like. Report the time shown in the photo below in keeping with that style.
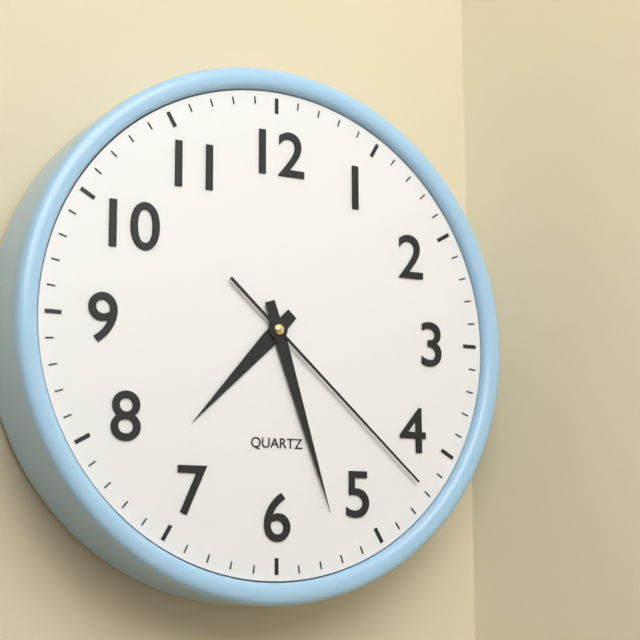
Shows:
7h27m22s
